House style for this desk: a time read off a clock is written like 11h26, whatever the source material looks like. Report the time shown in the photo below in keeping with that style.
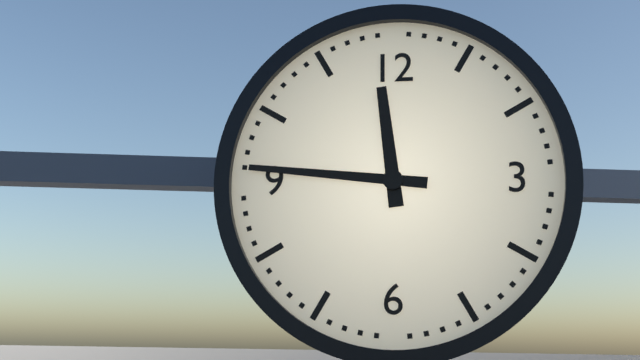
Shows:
11h46
